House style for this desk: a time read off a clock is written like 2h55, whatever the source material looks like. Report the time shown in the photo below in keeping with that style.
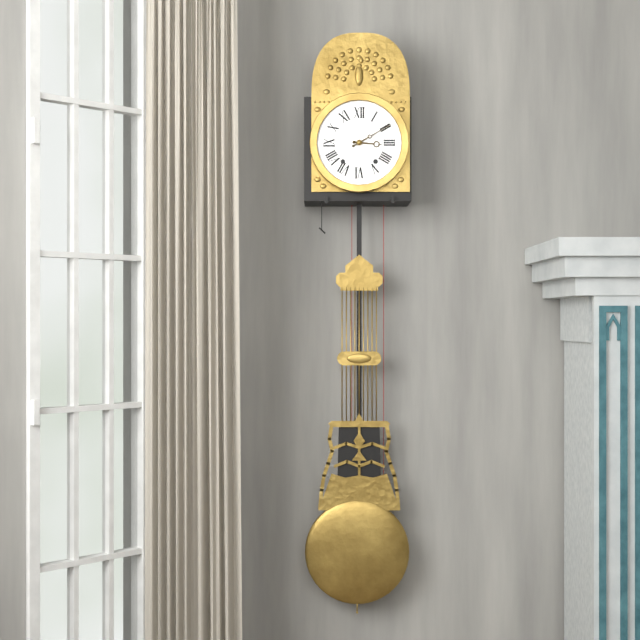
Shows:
3h10
